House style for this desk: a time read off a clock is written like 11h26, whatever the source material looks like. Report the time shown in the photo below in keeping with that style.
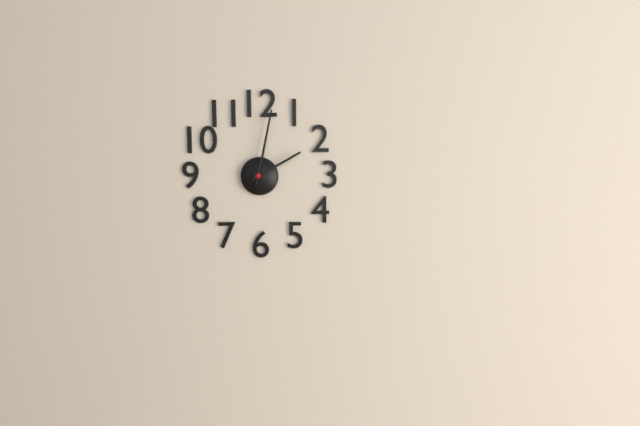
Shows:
2h02
